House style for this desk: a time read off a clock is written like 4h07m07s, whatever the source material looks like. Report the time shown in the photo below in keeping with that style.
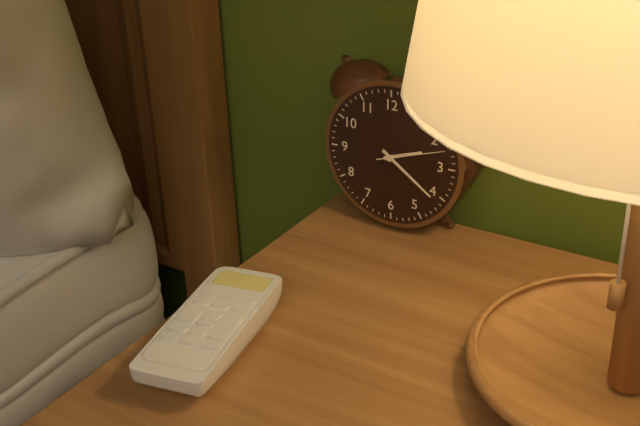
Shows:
2h21m12s
